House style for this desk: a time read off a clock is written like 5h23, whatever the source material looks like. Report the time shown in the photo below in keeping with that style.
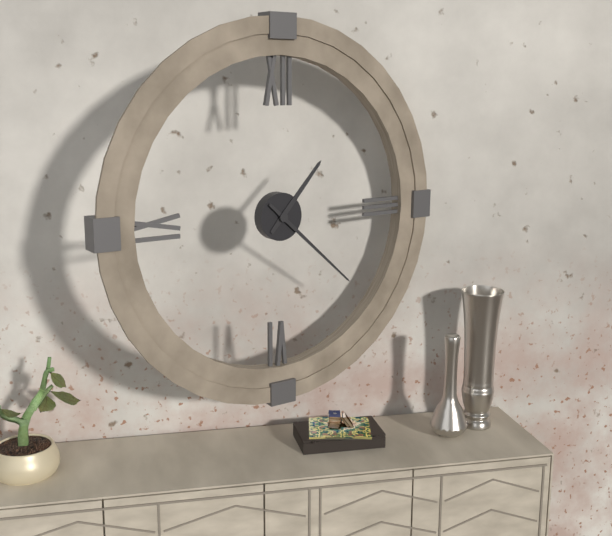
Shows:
1h22
